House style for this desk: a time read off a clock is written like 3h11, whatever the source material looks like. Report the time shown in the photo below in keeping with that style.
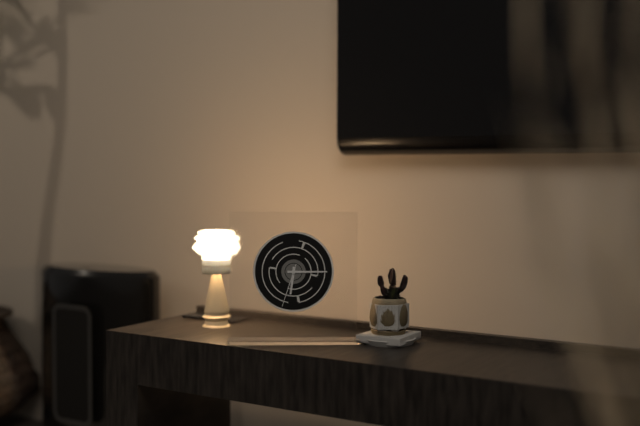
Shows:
6h15
